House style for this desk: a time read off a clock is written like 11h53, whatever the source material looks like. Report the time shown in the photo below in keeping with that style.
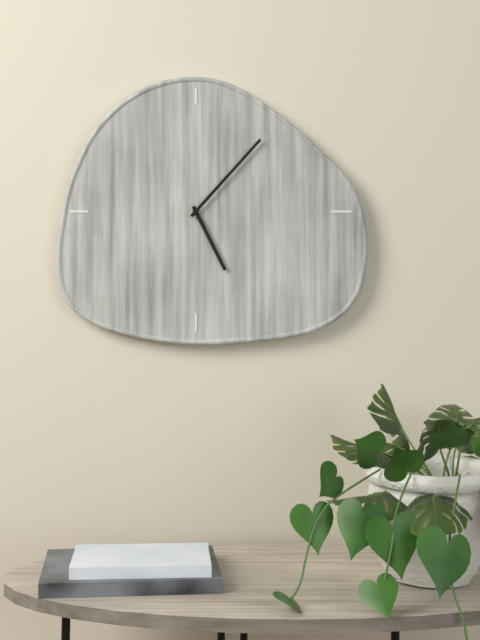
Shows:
5h07
